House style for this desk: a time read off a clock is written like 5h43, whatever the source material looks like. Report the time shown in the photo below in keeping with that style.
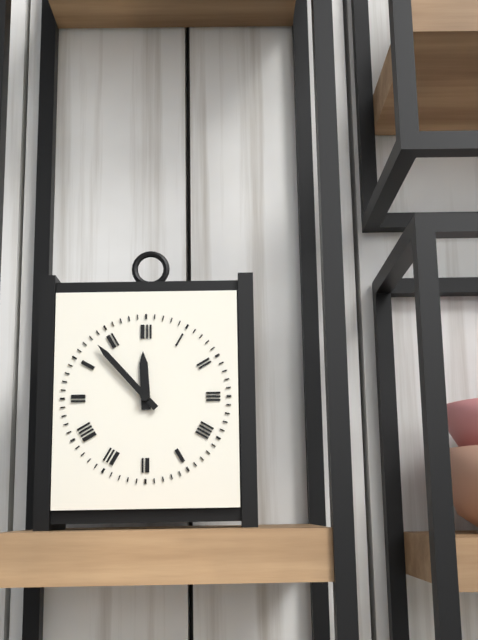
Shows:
11h53
